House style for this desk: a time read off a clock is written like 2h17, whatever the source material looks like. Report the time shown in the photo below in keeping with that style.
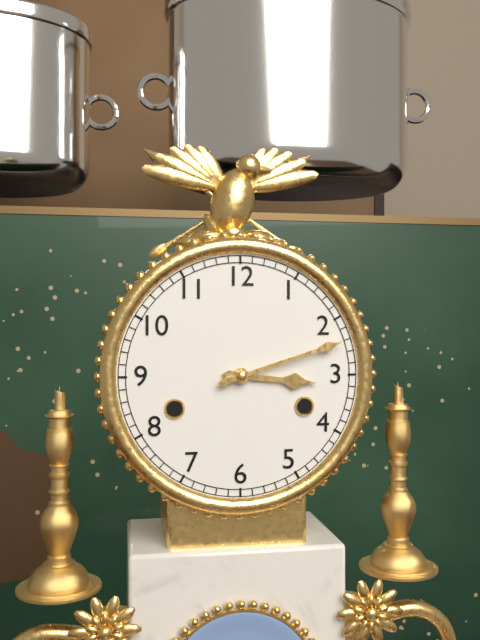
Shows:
3h12
